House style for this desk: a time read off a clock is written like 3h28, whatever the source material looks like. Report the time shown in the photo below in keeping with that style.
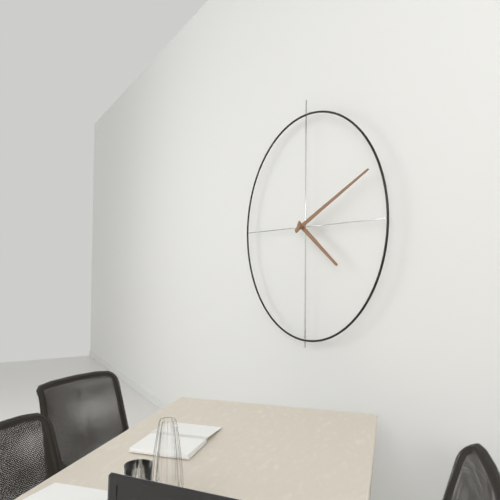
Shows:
4h11
